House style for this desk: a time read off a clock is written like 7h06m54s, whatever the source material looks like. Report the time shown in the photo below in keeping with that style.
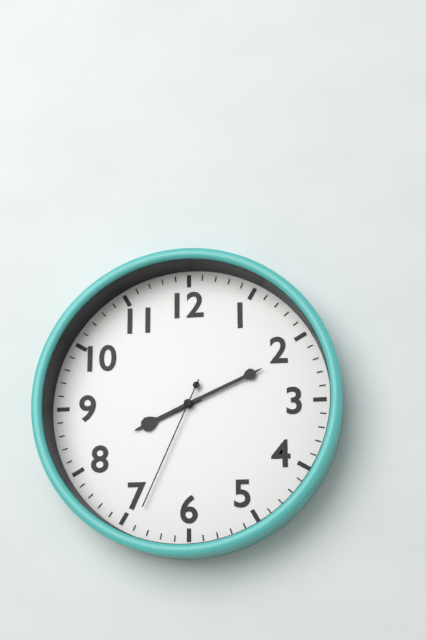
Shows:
8h11m34s
